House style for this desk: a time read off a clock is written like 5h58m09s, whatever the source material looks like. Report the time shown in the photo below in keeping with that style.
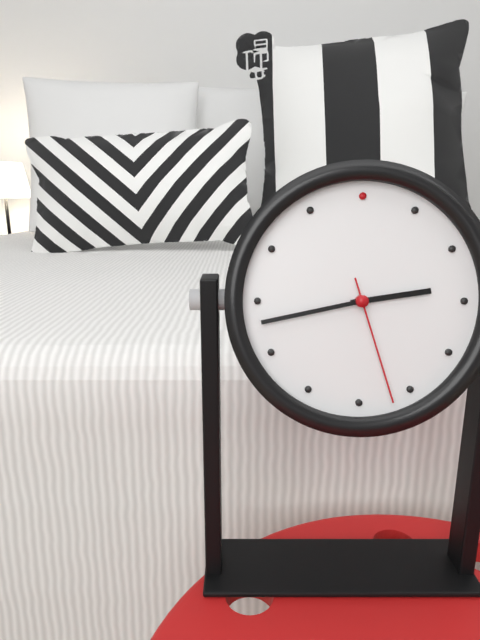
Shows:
2h43m27s
